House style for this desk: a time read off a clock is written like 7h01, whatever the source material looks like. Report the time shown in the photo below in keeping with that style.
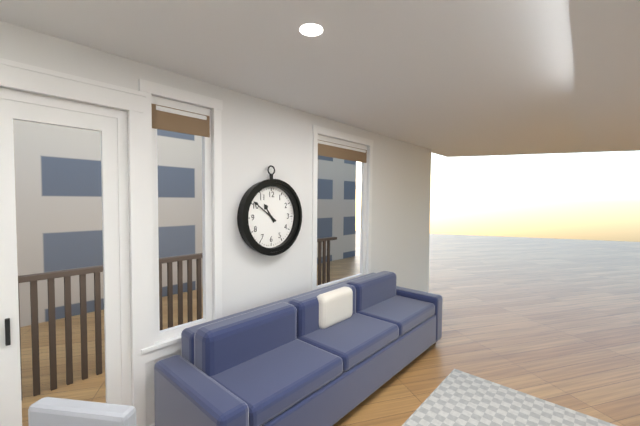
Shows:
10h51
